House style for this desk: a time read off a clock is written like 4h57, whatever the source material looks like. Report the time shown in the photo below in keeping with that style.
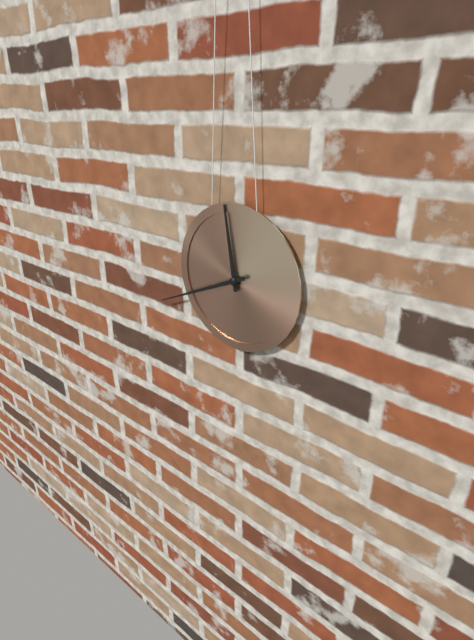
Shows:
11h41
